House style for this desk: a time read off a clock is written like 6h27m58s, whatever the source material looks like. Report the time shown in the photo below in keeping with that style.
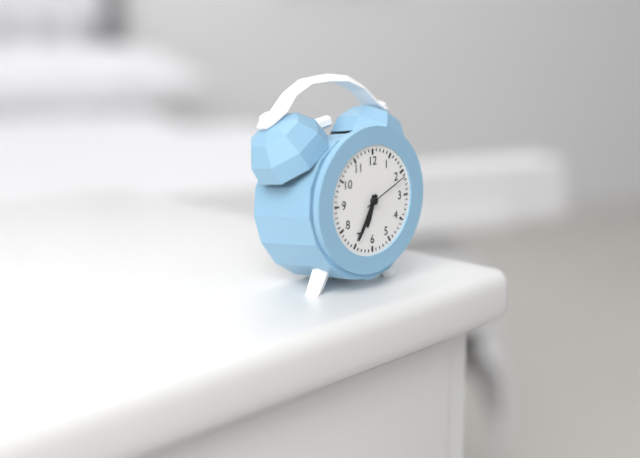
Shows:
6h35m11s
